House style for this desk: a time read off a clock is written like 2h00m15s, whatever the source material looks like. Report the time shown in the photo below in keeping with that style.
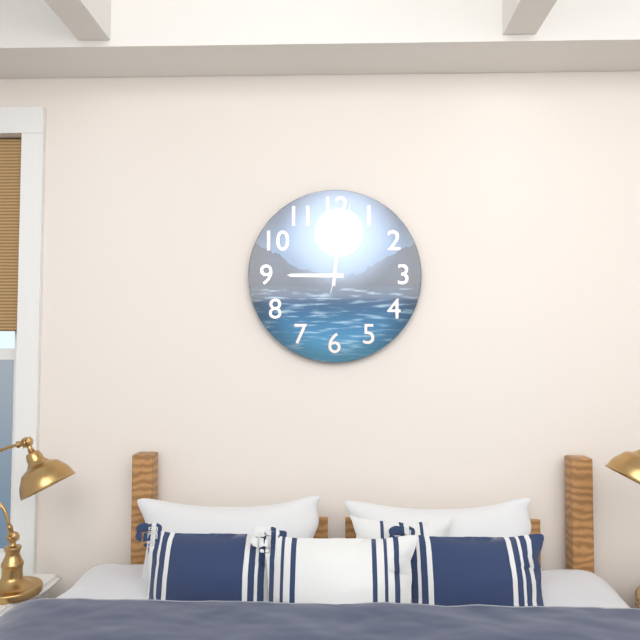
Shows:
9h01m02s
